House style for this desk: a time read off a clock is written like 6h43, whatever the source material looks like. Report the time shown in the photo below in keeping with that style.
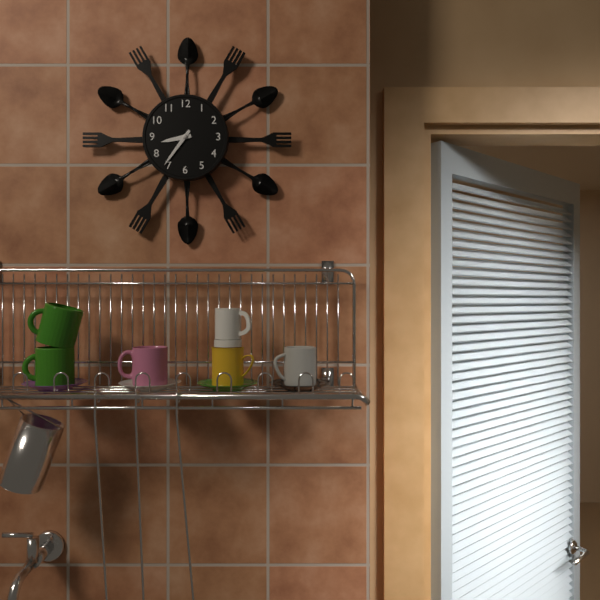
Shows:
8h36
